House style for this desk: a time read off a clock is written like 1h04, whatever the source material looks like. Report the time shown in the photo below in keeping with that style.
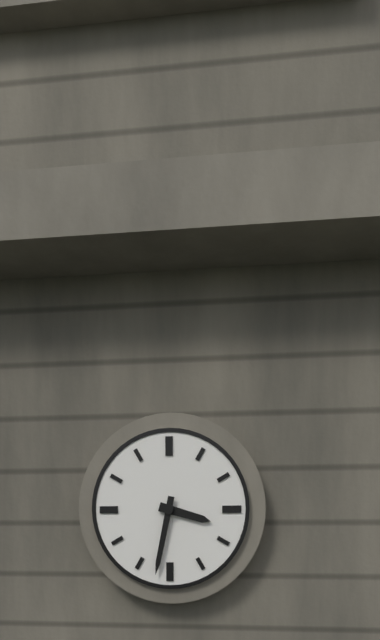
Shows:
3h32
